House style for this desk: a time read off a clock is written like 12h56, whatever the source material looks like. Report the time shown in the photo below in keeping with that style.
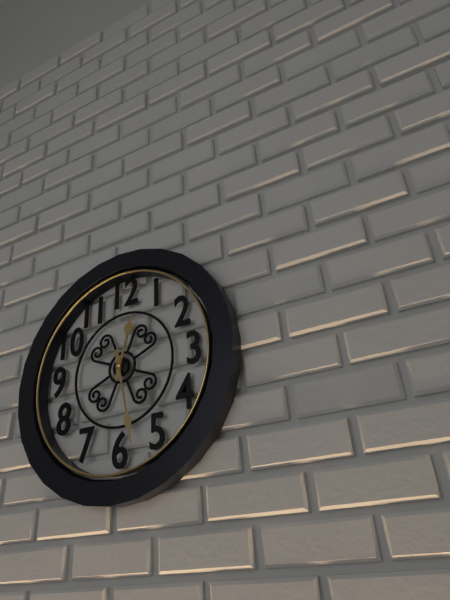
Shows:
12h28
